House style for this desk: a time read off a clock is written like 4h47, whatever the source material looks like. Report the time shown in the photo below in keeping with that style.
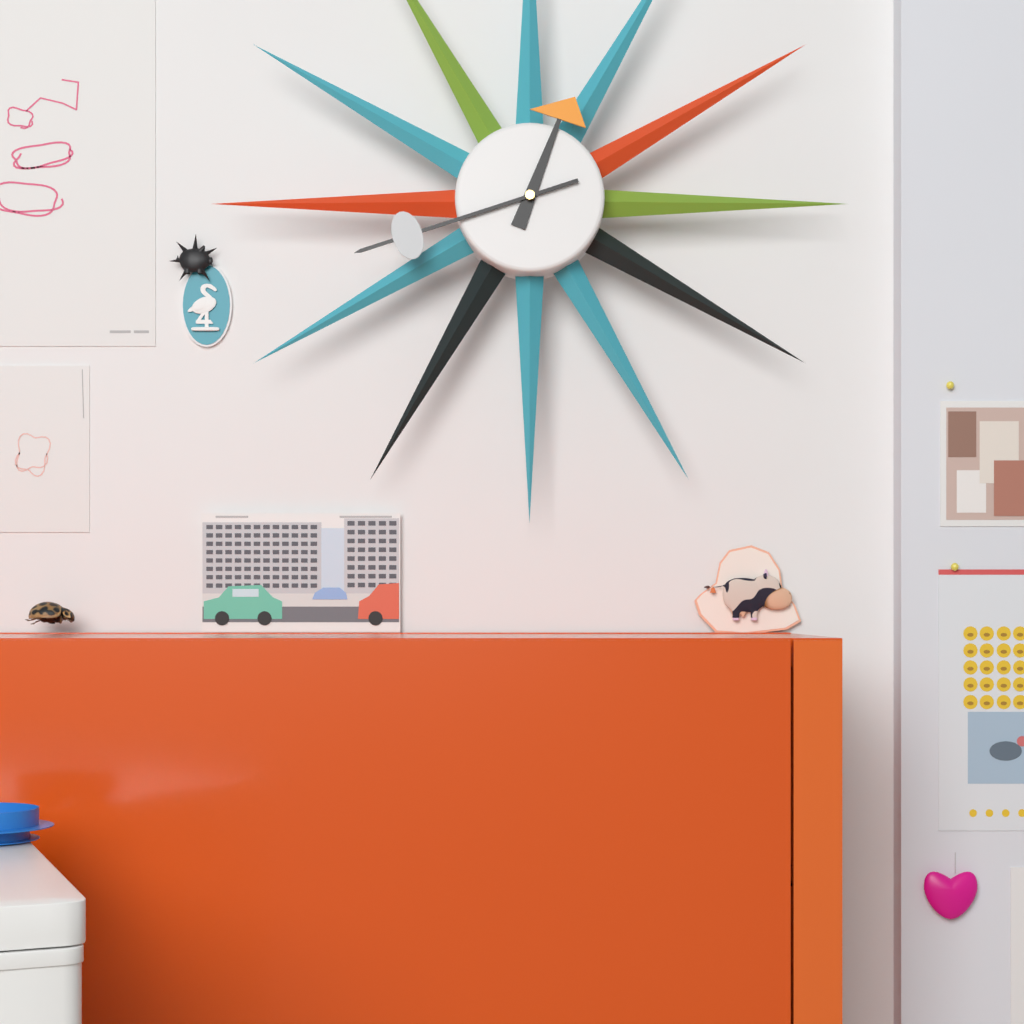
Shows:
12h42
